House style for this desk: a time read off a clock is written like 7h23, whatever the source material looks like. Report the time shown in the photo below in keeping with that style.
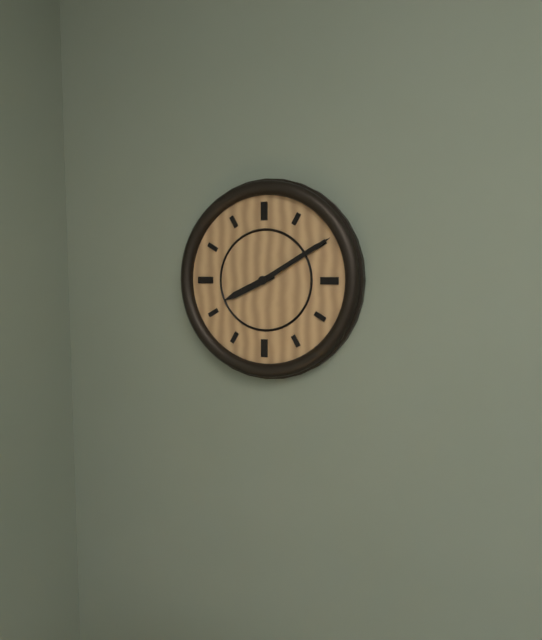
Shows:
8h10
